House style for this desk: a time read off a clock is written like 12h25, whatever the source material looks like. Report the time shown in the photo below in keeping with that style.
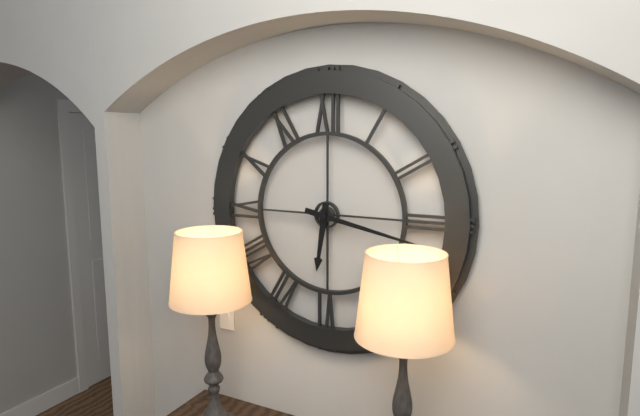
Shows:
6h17
